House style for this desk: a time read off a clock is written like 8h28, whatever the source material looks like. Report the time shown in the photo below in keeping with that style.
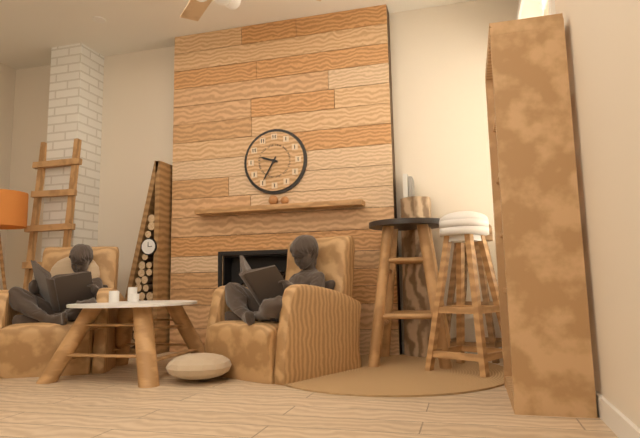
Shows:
9h35
